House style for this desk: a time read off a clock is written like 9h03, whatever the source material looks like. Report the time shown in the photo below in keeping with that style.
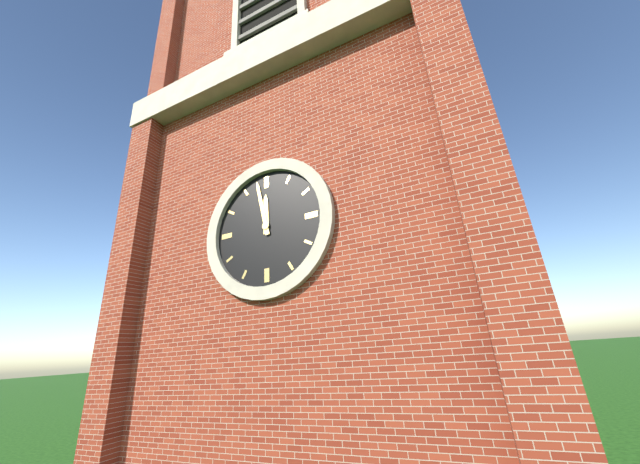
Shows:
11h58
